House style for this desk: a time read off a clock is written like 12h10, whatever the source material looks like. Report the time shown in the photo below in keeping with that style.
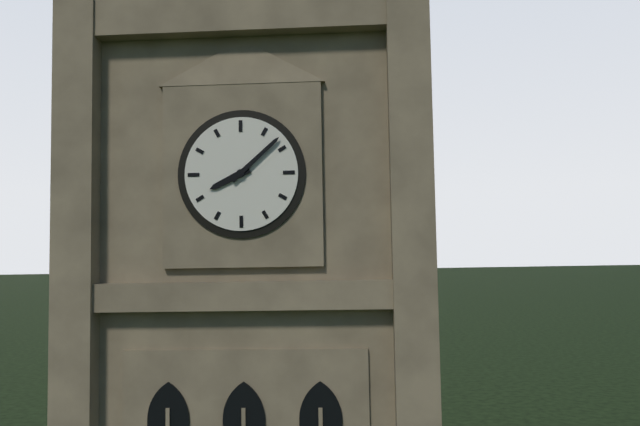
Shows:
8h08
